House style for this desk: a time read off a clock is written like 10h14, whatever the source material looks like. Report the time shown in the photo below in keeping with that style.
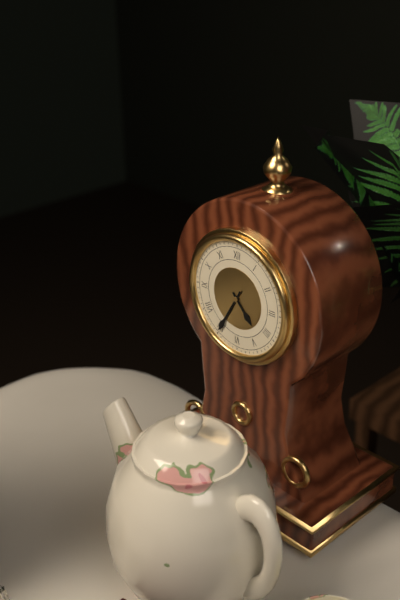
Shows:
4h35
